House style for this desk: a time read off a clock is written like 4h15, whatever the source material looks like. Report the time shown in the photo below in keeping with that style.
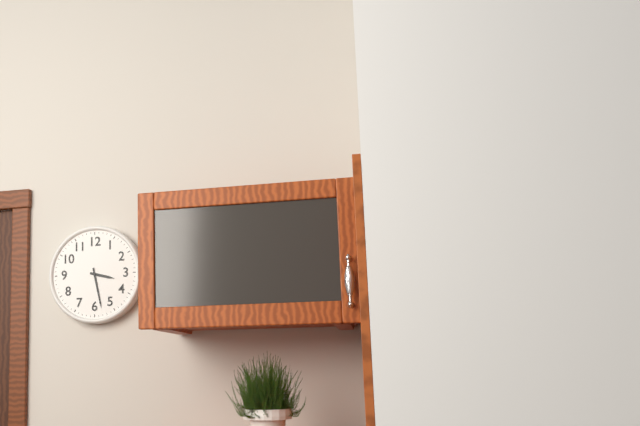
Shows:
3h28
